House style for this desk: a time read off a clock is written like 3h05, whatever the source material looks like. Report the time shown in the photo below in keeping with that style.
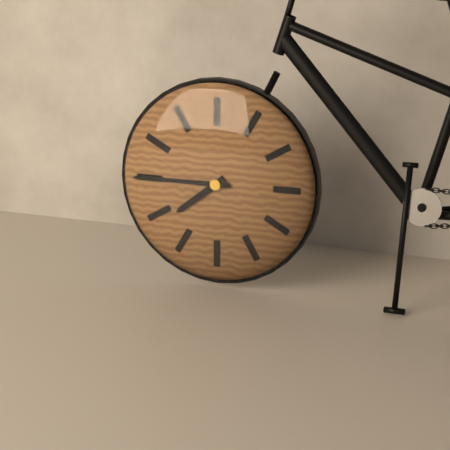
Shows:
7h45
